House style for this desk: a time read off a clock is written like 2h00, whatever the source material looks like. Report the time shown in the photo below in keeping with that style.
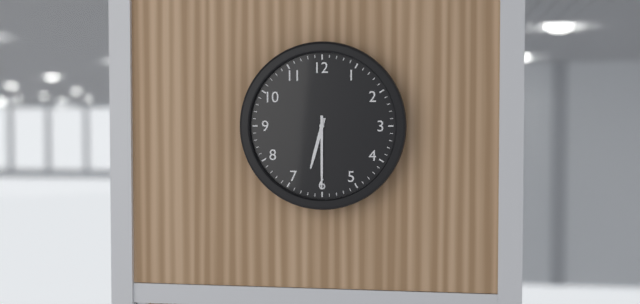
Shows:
6h30
